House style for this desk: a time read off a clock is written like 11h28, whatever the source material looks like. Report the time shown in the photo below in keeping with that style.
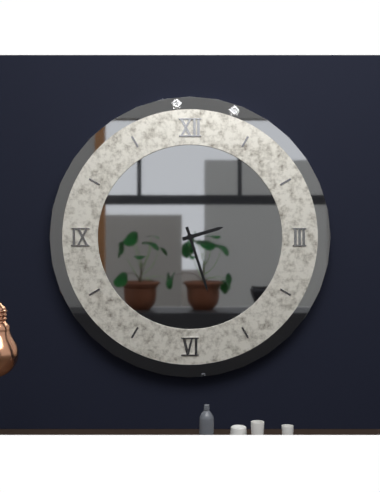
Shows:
2h27
